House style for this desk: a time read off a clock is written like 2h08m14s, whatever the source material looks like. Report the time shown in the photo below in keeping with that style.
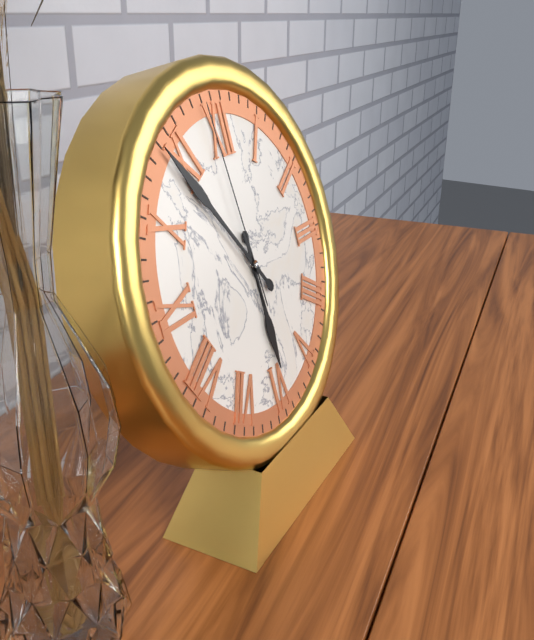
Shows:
5h54m59s
